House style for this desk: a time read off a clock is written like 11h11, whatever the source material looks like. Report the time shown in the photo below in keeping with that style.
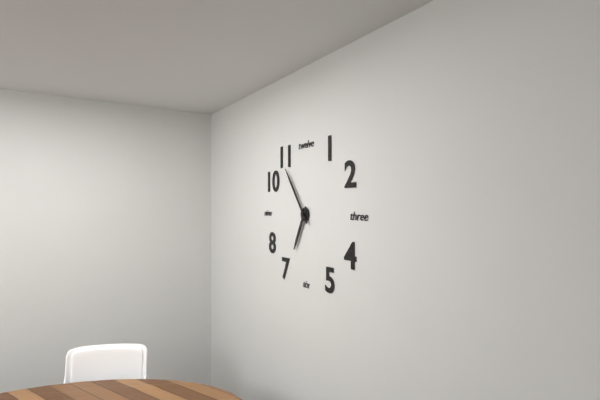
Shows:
6h54
